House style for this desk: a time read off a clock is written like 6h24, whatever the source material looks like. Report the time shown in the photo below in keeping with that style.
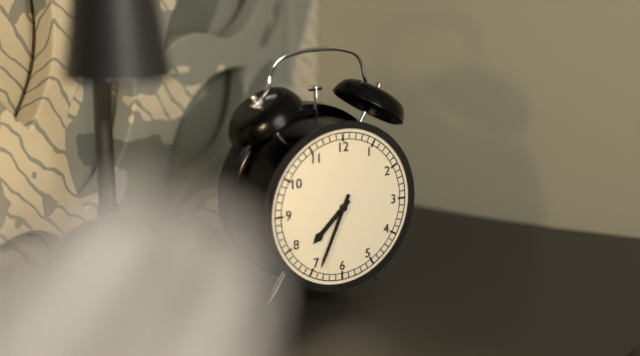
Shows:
7h34
